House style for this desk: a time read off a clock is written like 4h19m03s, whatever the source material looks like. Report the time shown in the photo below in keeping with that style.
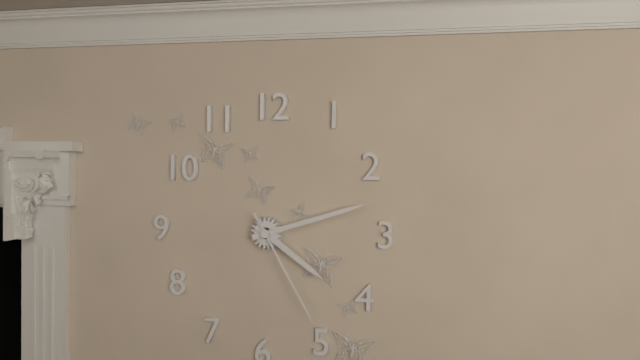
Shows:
4h12m25s
